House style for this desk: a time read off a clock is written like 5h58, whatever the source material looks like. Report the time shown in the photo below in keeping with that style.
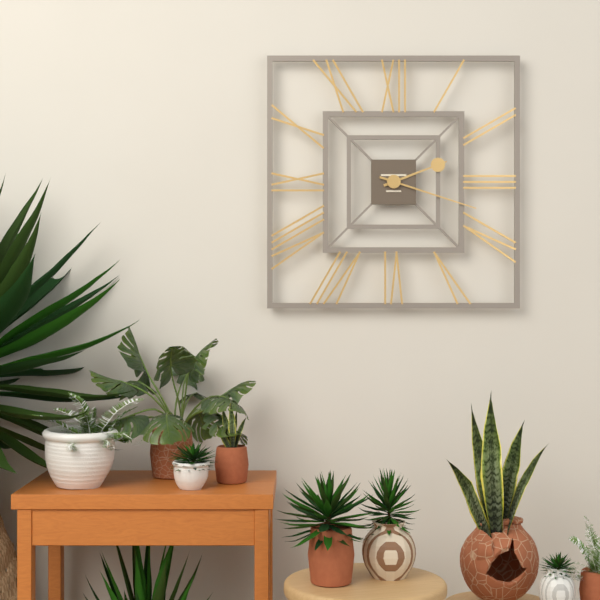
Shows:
2h18
